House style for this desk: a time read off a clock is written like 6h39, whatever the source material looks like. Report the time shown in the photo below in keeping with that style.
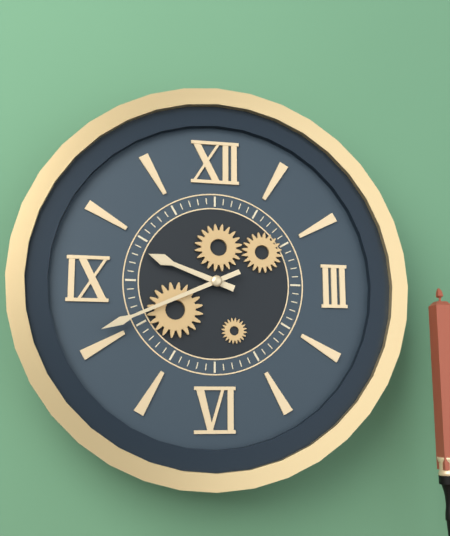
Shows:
9h41
